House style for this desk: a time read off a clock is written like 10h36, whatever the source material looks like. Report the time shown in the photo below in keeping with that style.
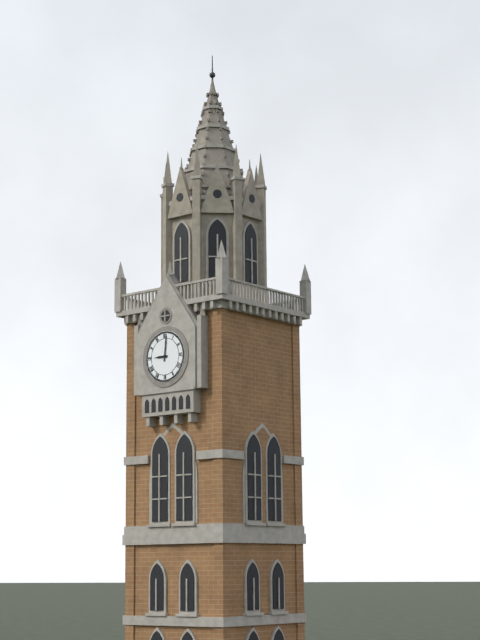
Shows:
9h01
